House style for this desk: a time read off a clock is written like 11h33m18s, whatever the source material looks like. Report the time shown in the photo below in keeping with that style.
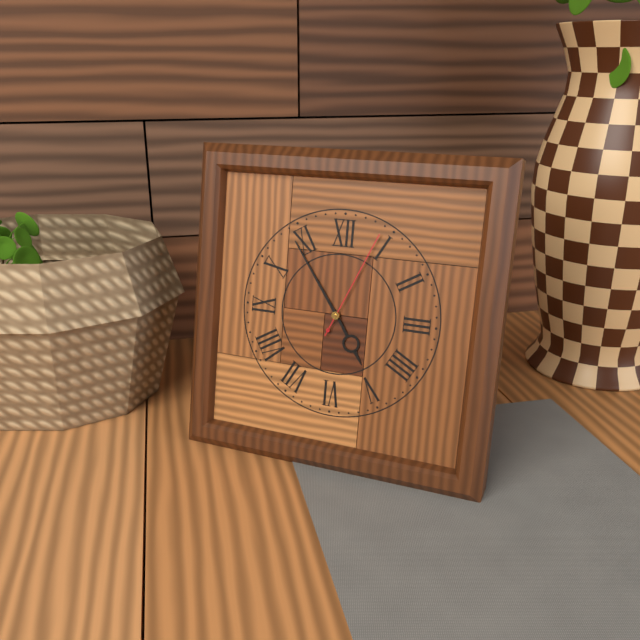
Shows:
4h54m04s
